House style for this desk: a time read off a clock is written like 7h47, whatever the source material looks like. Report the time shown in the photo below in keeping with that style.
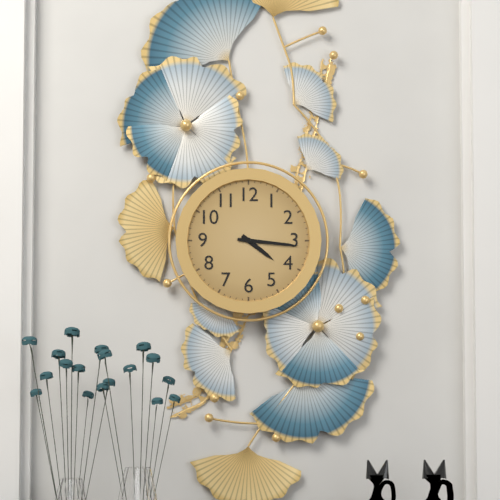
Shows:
4h16
